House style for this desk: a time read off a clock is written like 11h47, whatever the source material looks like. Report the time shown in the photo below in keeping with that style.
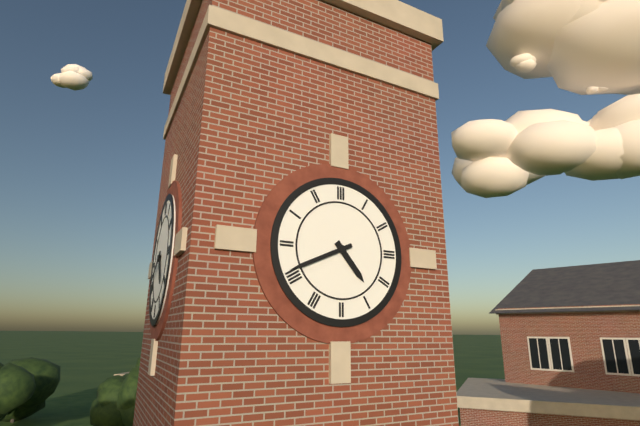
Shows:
4h41
